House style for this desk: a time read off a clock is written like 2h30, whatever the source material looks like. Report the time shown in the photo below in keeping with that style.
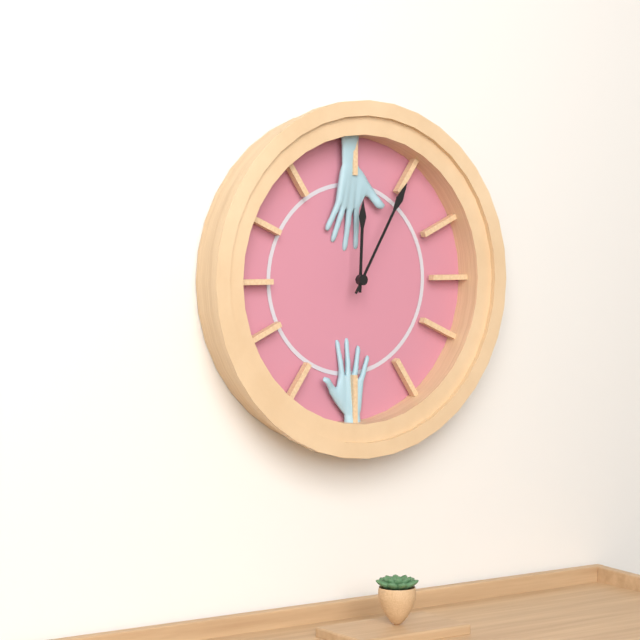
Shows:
12h05
